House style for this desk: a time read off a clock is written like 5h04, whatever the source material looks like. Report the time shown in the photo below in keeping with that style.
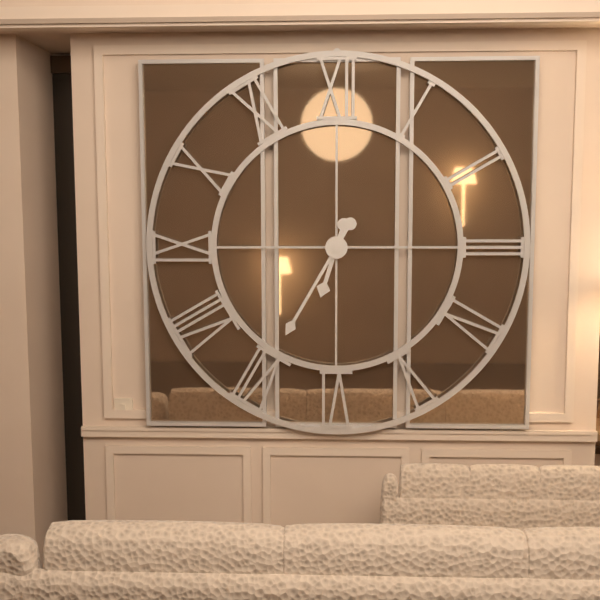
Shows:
6h35
